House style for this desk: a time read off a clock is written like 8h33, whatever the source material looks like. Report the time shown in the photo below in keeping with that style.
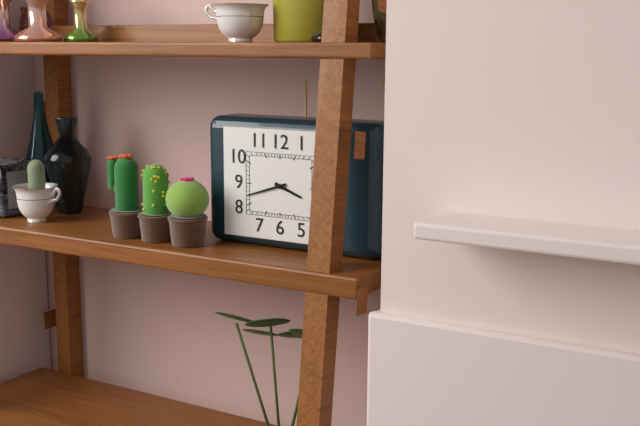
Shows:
3h42
